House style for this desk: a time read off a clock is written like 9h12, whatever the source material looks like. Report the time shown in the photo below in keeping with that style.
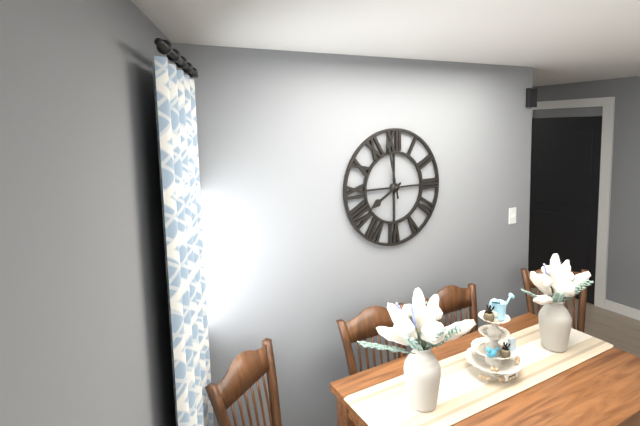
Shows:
7h58
